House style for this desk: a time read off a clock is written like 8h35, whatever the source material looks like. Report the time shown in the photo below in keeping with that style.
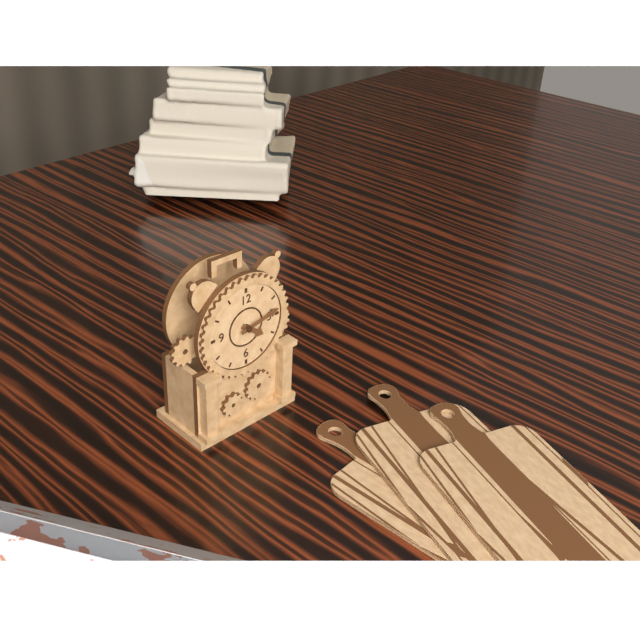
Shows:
4h13
